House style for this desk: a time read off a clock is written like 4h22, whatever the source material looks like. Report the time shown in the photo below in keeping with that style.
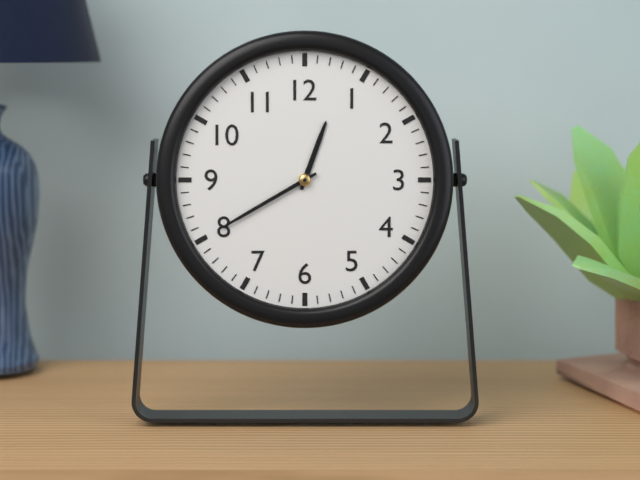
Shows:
12h40
